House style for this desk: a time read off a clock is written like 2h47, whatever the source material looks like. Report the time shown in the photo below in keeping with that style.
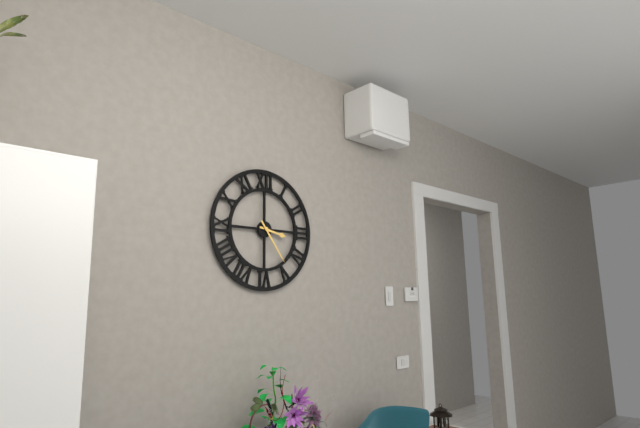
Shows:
3h24
